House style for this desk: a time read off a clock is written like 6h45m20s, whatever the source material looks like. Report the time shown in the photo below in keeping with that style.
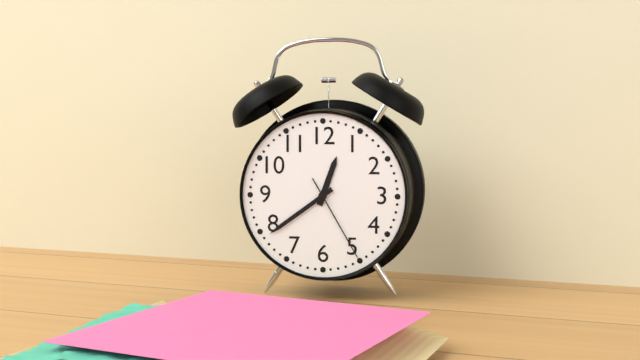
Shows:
12h39m25s
